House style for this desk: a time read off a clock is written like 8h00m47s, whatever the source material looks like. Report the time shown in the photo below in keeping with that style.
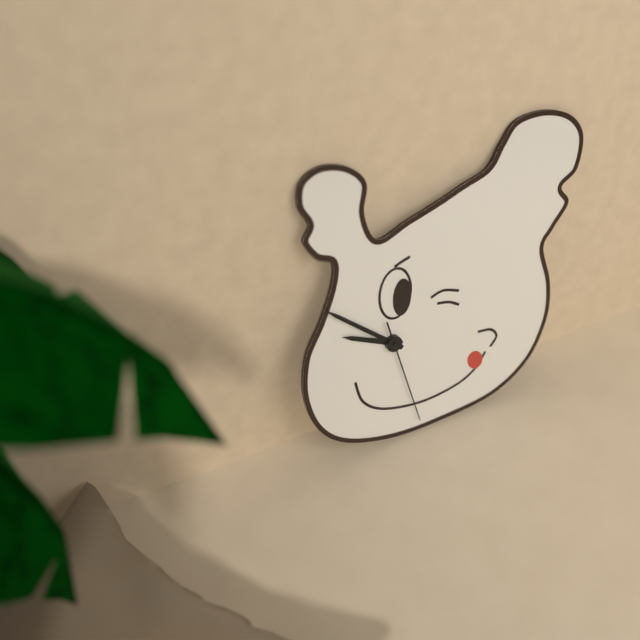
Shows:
9h52m28s
